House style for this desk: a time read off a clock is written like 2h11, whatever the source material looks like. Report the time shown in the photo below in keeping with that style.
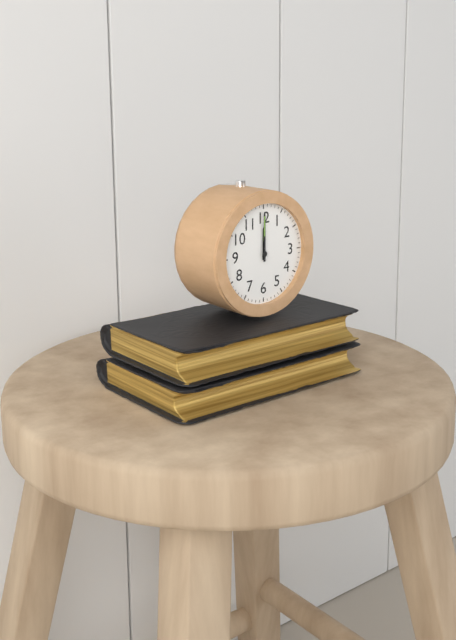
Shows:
12h00
